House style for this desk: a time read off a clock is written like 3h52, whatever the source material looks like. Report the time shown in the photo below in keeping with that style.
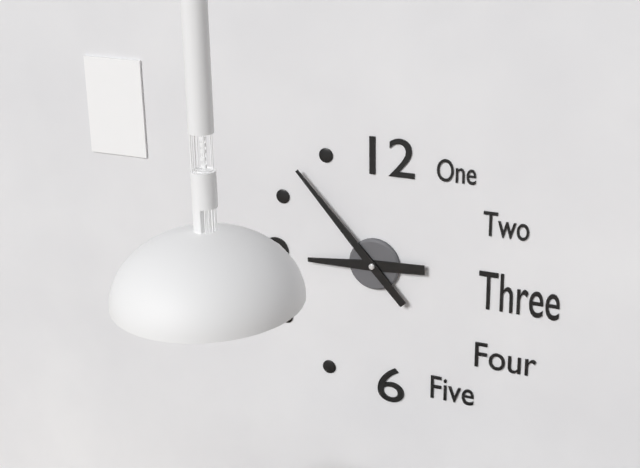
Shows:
8h53
